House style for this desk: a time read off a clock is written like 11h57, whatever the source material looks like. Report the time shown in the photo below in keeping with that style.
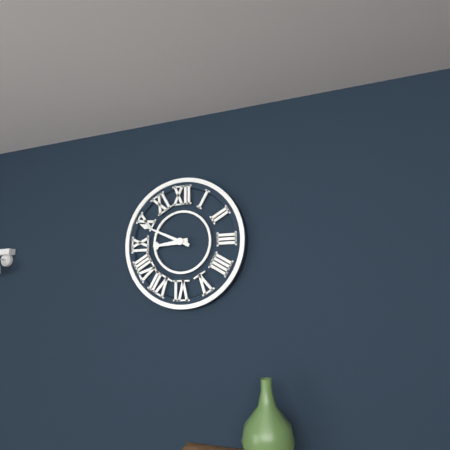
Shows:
8h49
